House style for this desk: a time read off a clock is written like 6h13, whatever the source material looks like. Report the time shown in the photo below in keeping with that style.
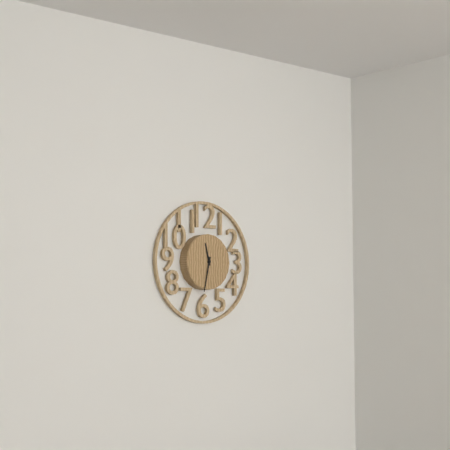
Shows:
11h32
